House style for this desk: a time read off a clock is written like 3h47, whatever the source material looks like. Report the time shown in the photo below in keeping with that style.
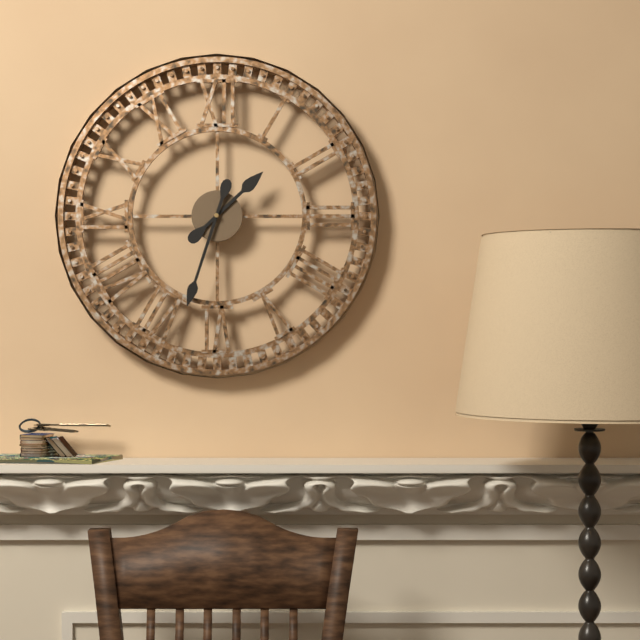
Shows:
1h33
